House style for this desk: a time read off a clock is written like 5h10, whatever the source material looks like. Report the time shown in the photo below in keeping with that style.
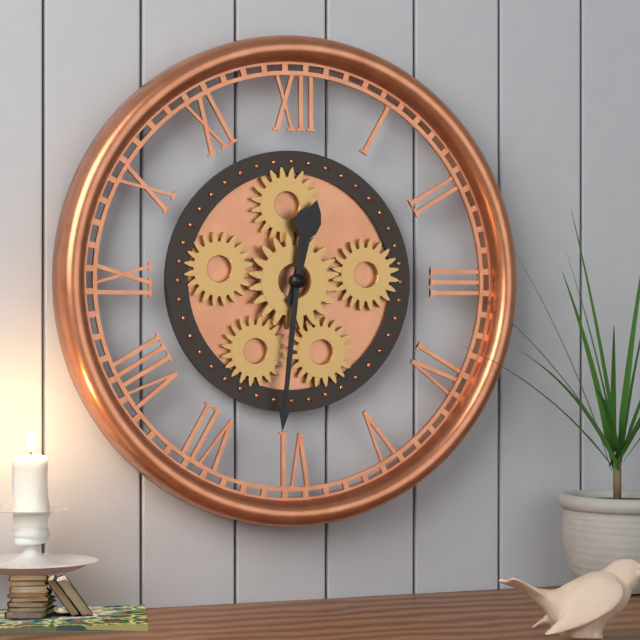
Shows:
12h31
